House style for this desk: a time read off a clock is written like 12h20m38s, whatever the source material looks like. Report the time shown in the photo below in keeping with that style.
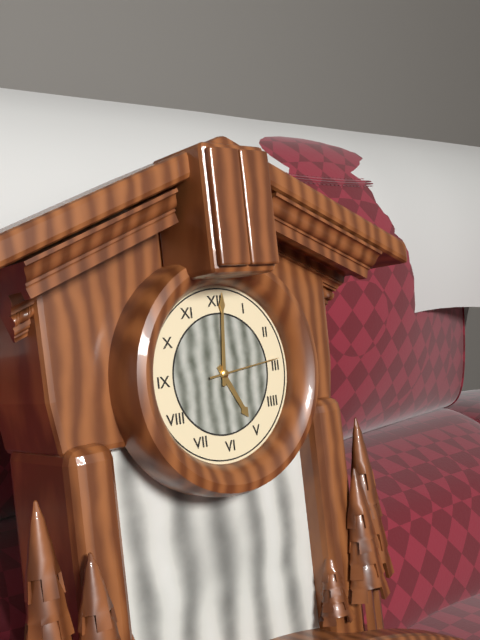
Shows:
5h01m14s
